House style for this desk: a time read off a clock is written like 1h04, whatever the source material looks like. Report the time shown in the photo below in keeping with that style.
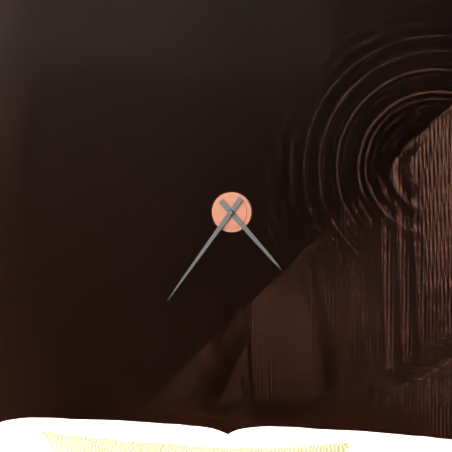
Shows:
4h36
